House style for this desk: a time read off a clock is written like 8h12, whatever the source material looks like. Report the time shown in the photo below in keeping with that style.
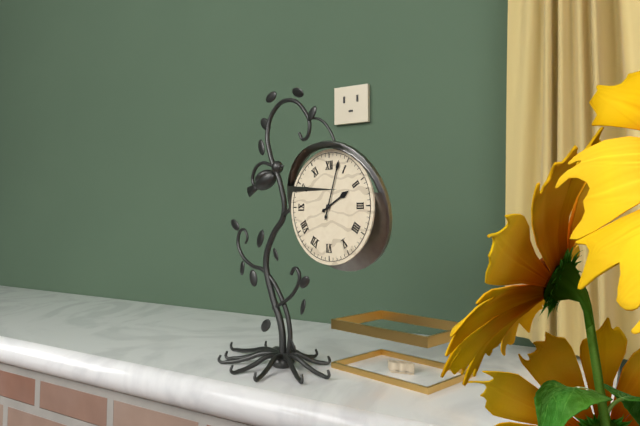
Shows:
2h03
